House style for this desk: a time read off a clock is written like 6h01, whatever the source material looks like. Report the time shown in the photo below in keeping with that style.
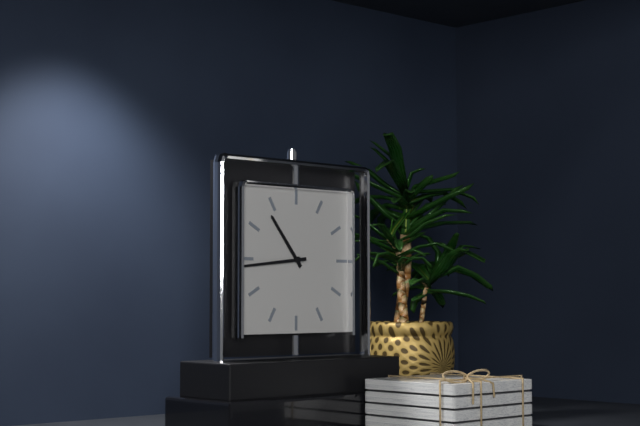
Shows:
10h44
